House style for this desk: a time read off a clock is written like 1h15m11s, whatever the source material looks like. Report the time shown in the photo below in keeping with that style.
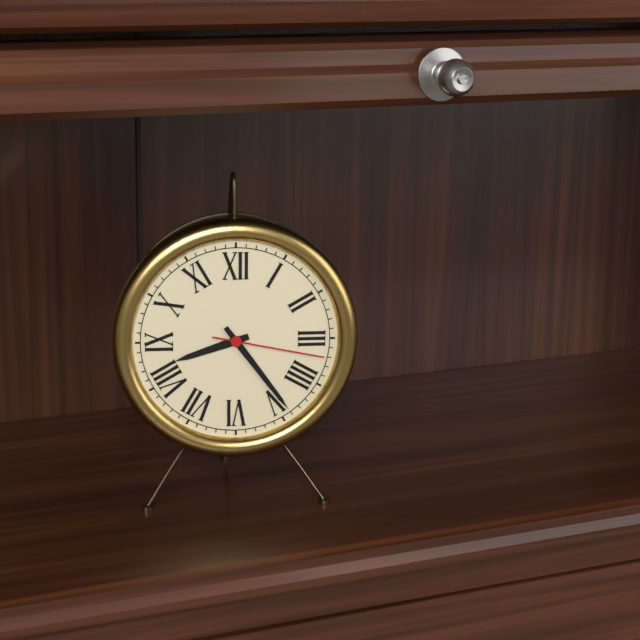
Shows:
8h24m17s
